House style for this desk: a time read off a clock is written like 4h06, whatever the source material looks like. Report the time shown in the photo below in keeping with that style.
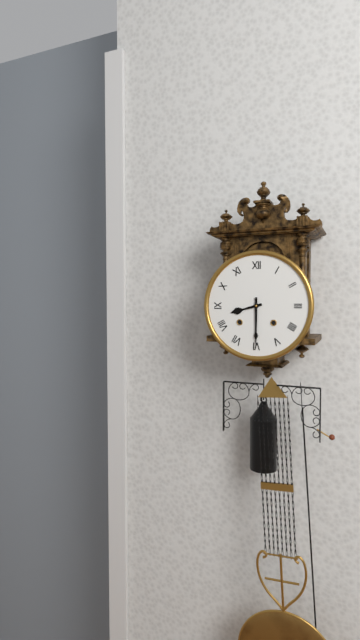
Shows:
8h30
